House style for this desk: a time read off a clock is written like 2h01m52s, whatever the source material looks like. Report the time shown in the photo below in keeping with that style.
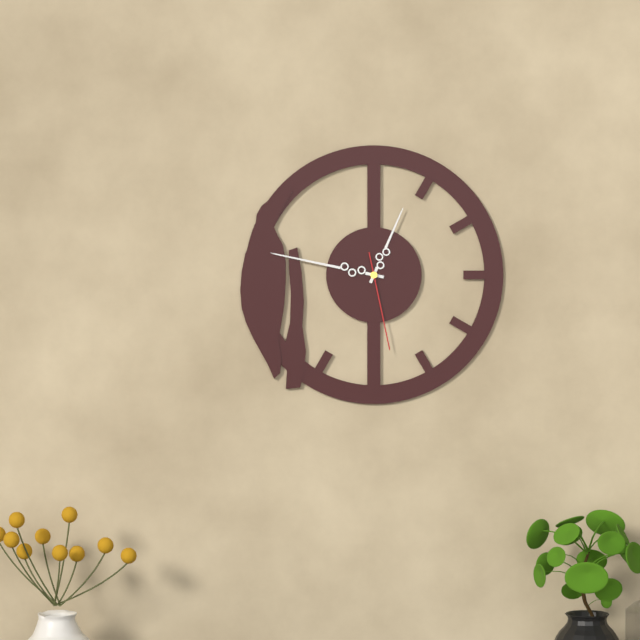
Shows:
12h47m28s
